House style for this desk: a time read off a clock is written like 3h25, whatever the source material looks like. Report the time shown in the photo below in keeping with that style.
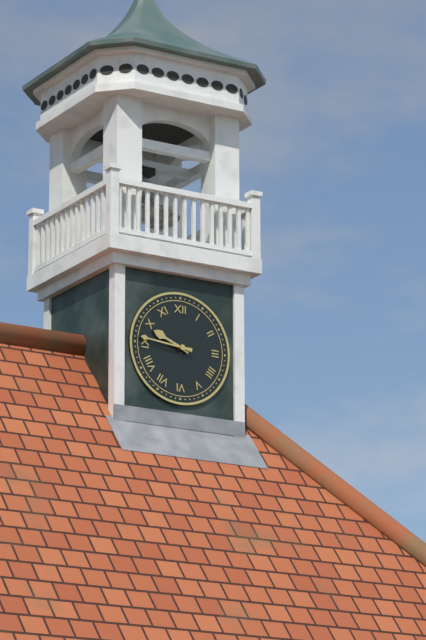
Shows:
9h46
